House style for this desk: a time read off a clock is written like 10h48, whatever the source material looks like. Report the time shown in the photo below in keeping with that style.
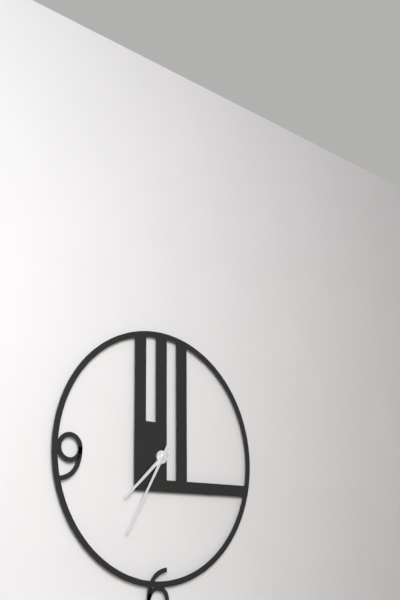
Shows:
7h35
